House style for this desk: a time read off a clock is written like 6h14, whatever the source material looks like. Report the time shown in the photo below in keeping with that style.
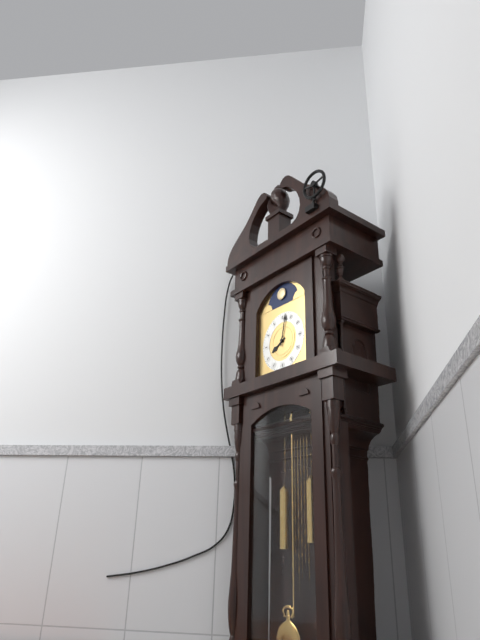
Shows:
8h02
